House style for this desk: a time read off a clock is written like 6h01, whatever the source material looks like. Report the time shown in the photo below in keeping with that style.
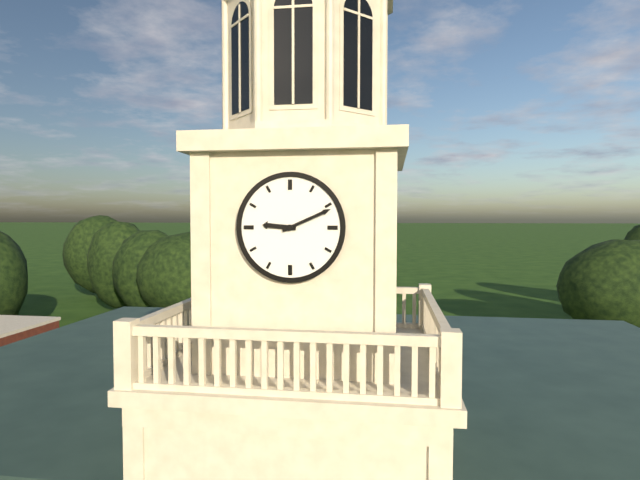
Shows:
9h11
